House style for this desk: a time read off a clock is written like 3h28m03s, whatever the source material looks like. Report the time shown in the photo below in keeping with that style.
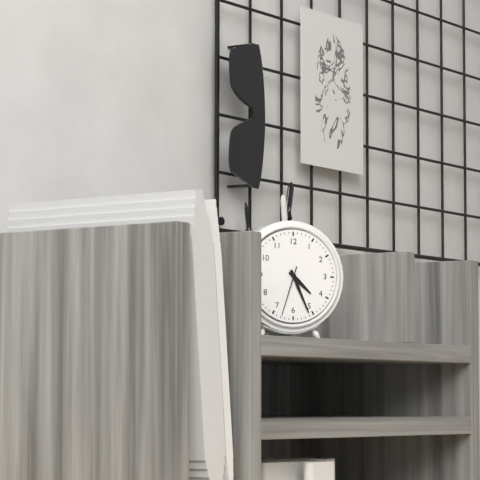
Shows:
4h26m33s
